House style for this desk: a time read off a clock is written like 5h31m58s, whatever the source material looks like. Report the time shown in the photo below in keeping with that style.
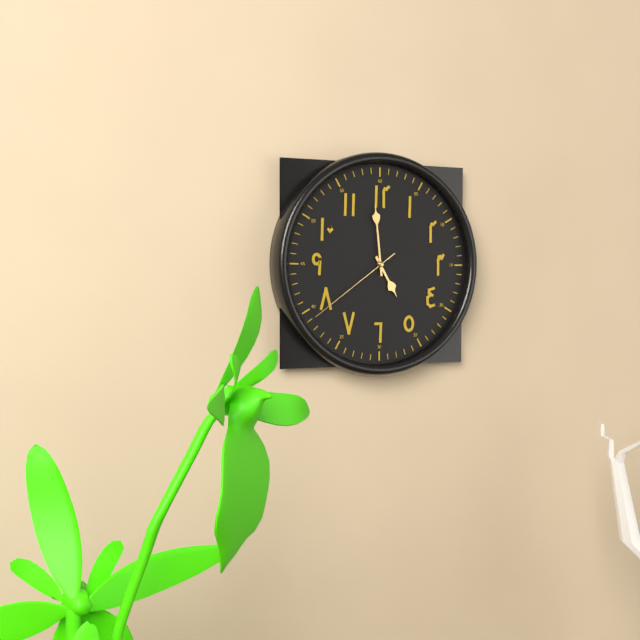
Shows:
4h59m39s
